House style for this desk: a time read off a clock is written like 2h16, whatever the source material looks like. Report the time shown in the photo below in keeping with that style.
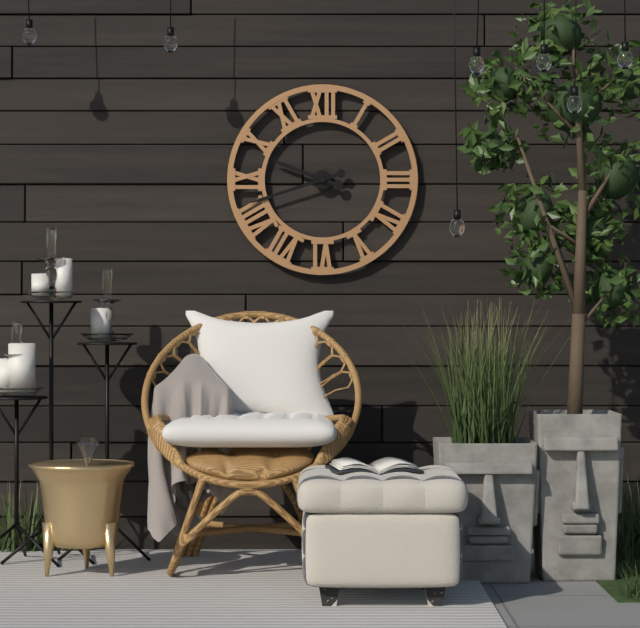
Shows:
9h42
